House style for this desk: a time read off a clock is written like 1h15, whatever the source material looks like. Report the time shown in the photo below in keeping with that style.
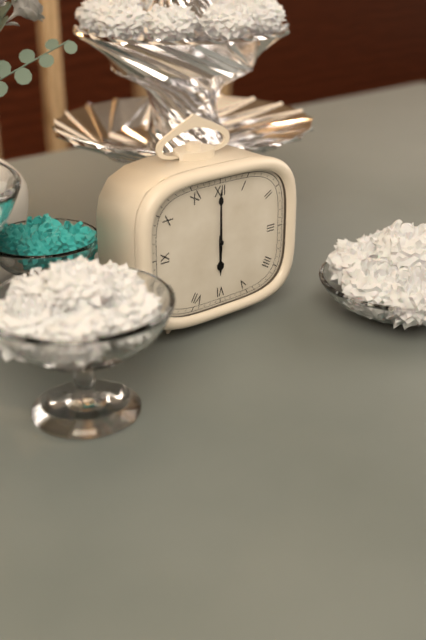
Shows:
6h00
